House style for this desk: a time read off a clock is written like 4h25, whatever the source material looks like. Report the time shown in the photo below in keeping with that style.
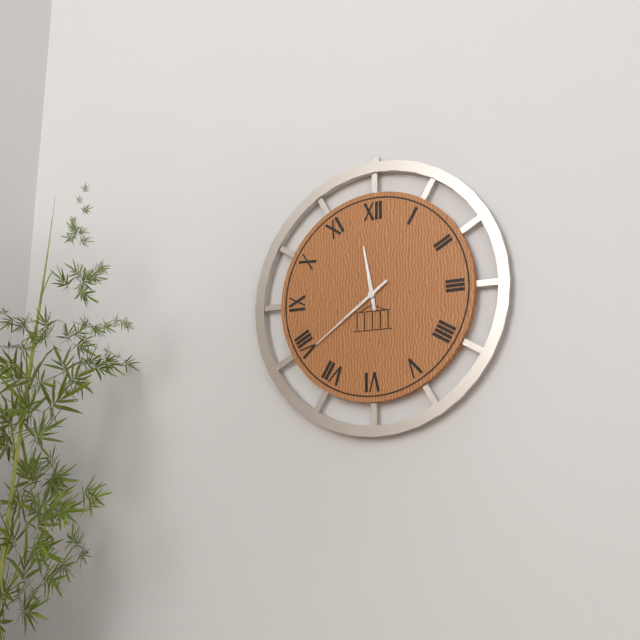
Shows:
11h39
